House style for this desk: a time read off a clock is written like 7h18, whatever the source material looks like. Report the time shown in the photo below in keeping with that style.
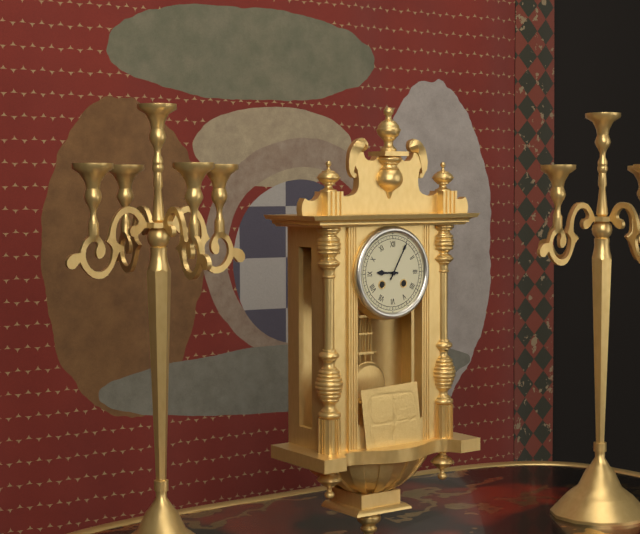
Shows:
9h05
